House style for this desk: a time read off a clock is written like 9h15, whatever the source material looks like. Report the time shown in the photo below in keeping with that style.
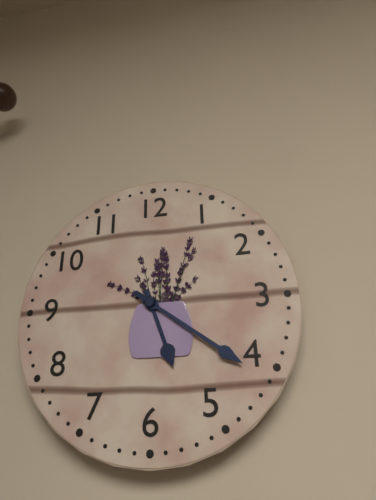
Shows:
5h21
